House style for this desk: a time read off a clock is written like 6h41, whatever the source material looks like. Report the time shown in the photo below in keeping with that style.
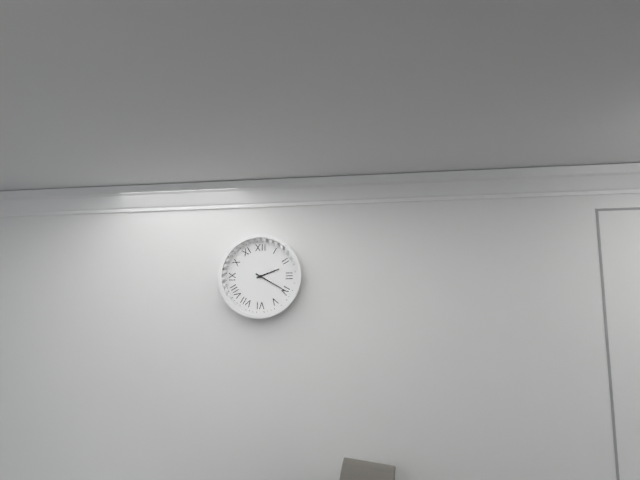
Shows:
2h20
